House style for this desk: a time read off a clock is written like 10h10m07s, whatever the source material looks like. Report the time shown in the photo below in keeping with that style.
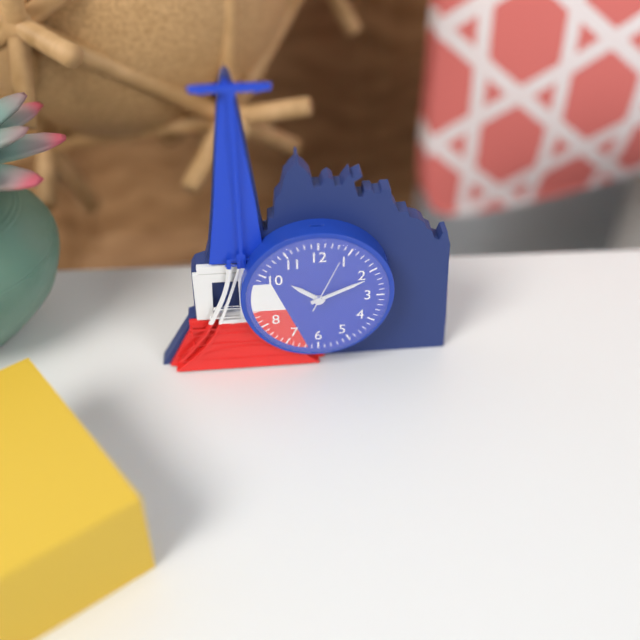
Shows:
10h11m04s
